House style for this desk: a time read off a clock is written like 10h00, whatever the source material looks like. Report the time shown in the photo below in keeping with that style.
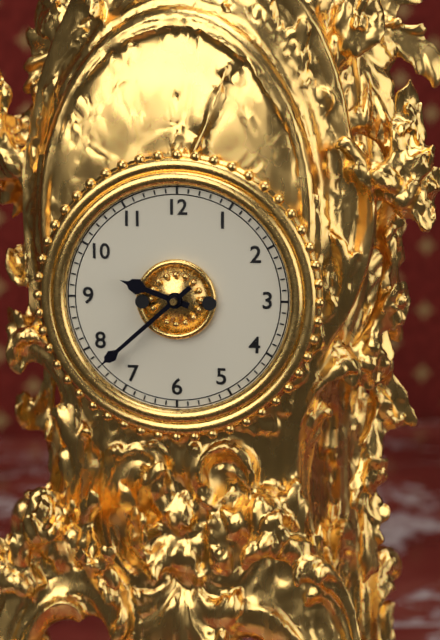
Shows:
9h38
